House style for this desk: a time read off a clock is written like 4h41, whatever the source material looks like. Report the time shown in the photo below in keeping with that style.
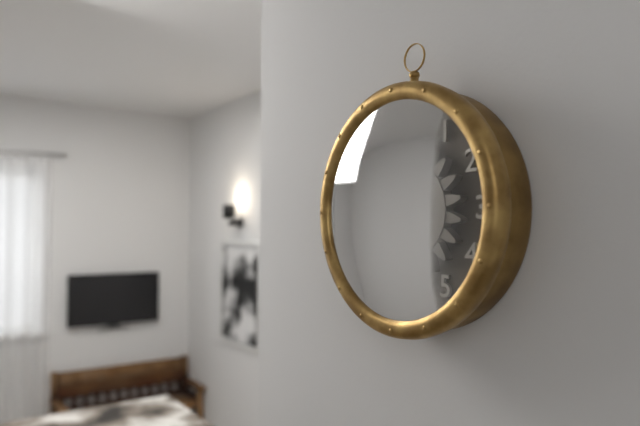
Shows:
6h43
